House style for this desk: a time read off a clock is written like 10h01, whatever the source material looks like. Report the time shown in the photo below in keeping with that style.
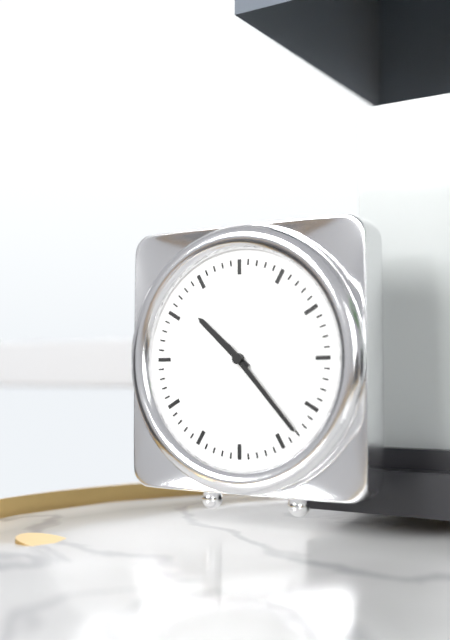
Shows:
10h23
